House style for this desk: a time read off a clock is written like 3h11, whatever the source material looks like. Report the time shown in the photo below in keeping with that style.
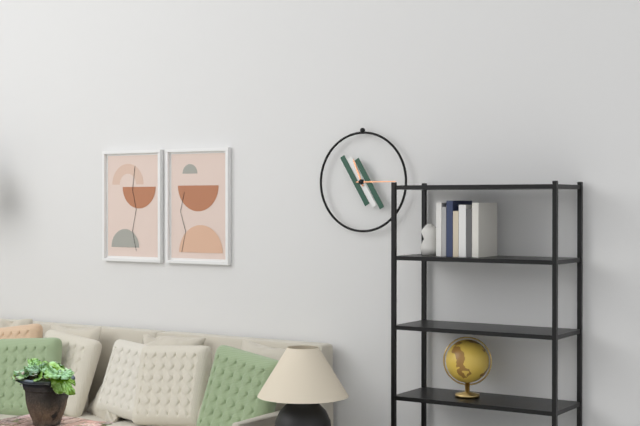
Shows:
11h15
